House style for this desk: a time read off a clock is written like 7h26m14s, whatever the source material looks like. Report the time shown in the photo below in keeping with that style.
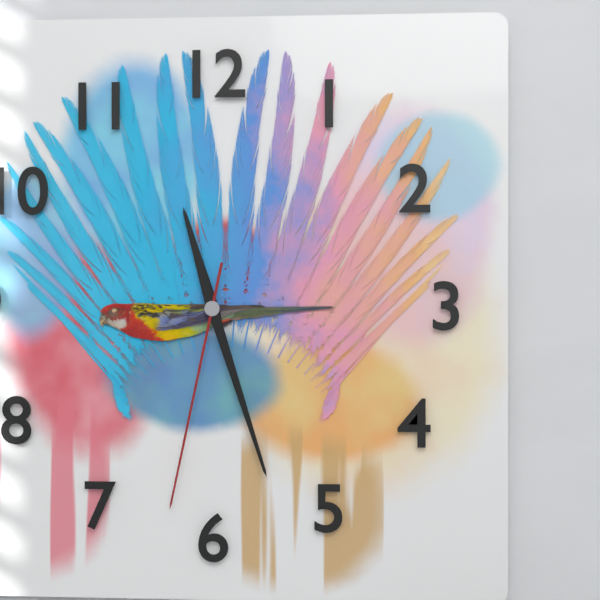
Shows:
11h27m32s
